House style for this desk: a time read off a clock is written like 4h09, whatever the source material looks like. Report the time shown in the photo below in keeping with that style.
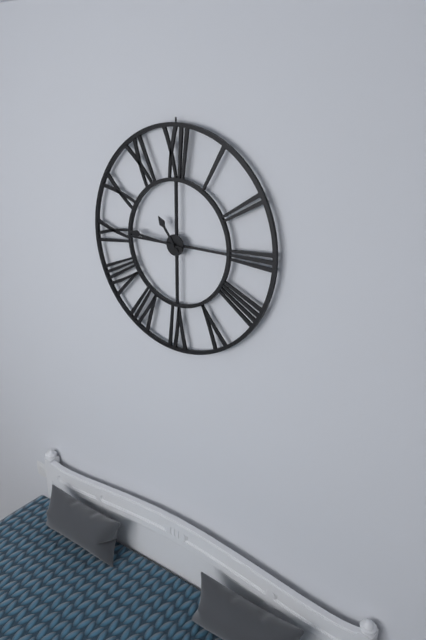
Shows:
10h46
